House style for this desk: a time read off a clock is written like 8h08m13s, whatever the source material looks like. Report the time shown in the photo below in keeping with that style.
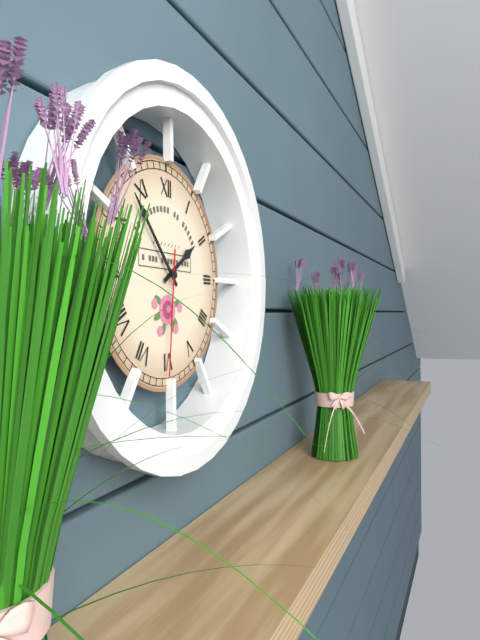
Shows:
1h53m31s
